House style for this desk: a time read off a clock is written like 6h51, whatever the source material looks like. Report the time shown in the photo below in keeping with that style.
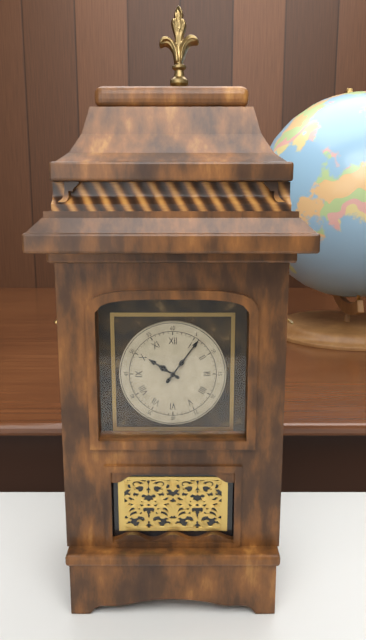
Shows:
10h06
